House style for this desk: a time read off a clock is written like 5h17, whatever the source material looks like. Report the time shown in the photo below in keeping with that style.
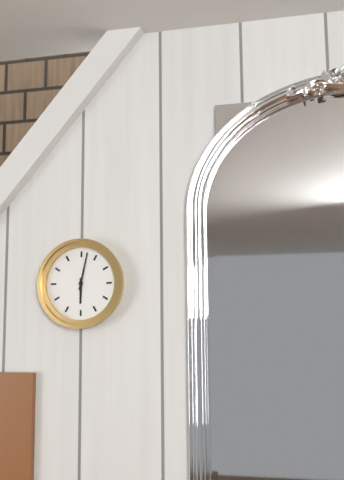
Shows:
6h02
